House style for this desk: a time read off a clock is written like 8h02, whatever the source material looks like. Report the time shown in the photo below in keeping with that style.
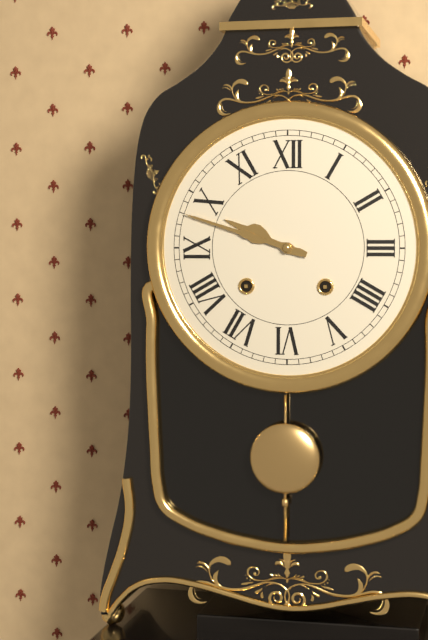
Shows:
9h48
